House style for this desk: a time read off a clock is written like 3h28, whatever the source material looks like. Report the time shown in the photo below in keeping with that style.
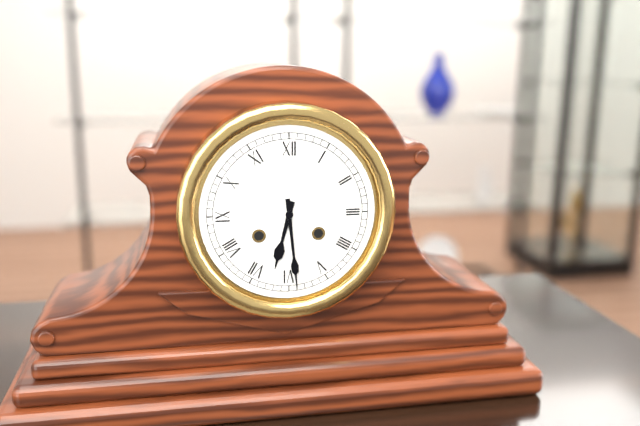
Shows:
6h29
